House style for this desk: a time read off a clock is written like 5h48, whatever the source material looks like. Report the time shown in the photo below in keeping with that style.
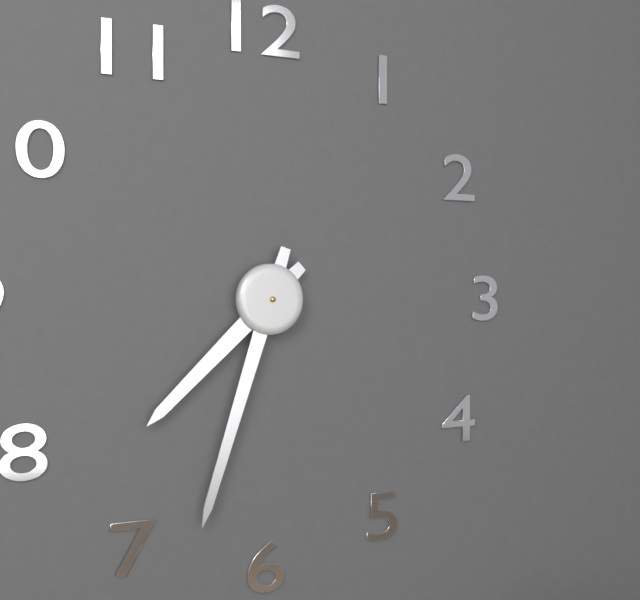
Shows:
7h33
